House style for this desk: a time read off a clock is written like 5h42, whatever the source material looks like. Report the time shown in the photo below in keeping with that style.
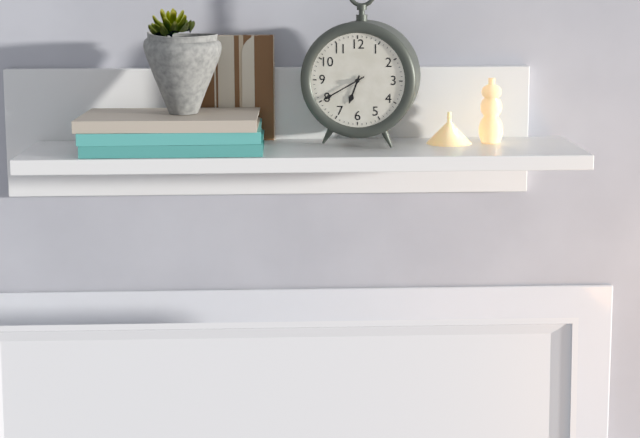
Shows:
6h40
